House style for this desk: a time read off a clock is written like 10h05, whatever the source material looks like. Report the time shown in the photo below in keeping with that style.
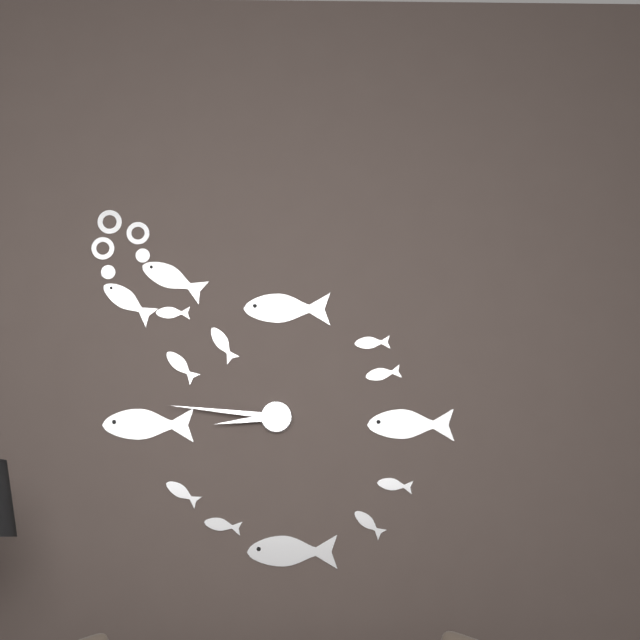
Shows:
8h46
